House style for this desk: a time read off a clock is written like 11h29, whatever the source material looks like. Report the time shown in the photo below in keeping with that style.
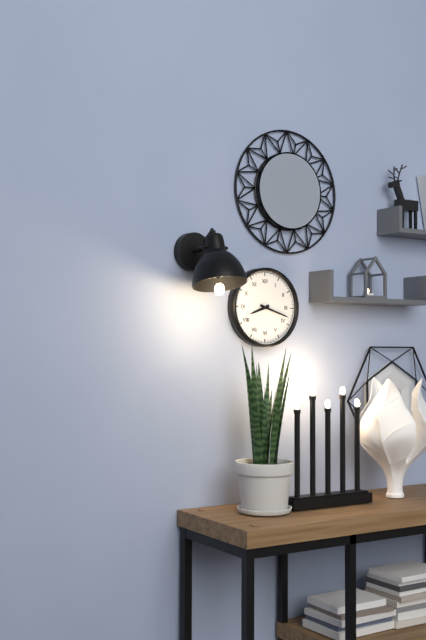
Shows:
8h18
